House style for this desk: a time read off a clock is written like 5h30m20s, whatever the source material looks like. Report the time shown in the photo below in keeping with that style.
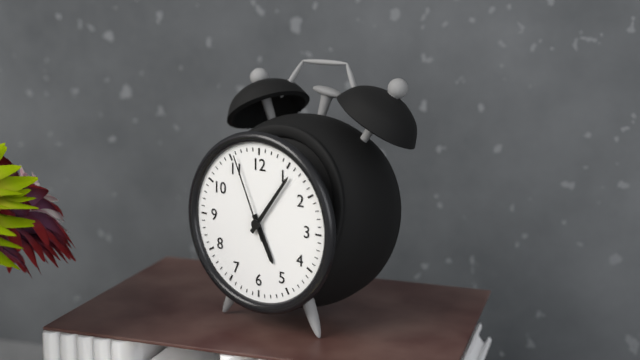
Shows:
5h06m56s
